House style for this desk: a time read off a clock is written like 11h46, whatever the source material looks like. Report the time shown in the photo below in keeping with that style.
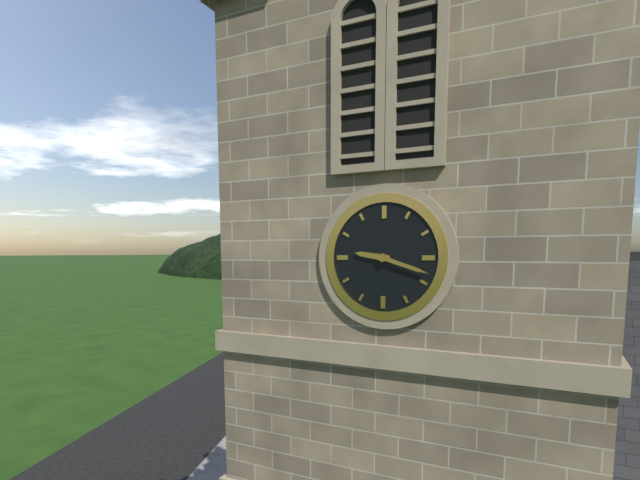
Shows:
9h18
